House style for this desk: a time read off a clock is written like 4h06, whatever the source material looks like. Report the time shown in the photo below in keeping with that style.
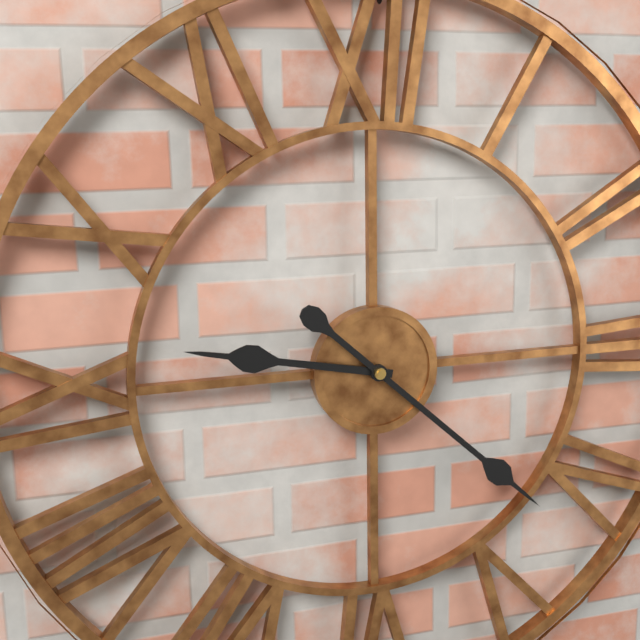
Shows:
9h22
